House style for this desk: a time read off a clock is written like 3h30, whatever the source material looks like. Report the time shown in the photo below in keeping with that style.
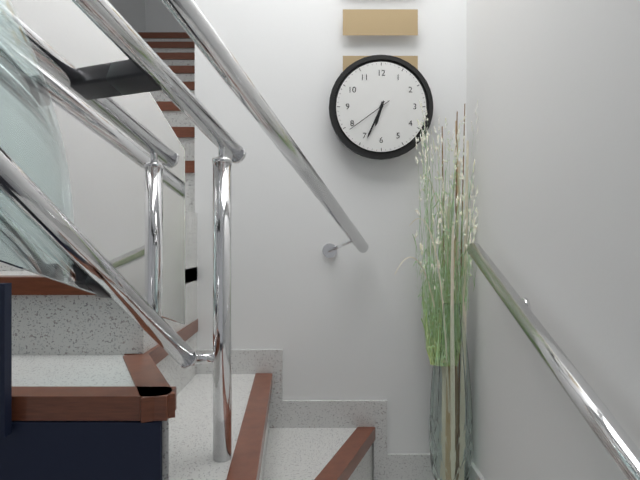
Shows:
6h34
